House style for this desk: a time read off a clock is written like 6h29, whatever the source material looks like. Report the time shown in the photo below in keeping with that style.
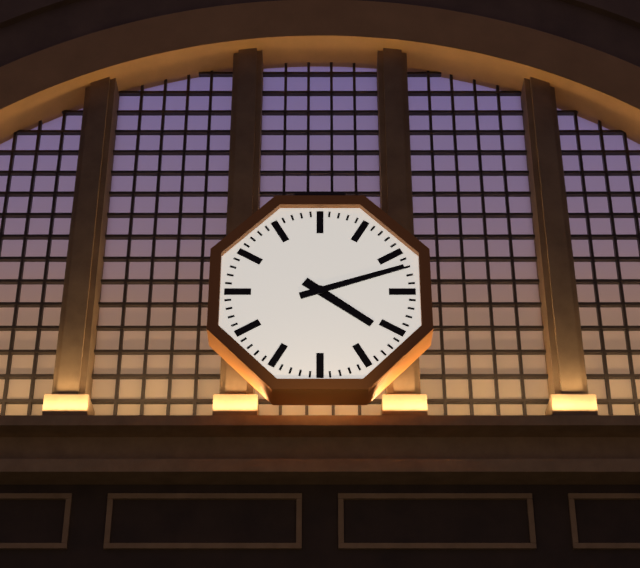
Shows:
4h12
